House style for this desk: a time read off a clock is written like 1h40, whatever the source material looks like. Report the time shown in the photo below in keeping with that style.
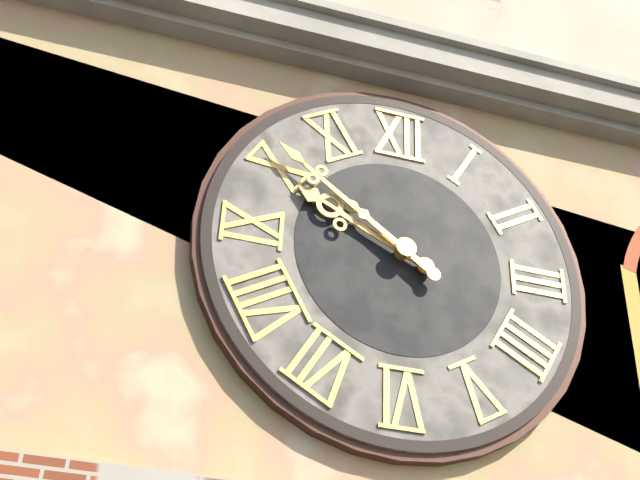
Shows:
9h51
